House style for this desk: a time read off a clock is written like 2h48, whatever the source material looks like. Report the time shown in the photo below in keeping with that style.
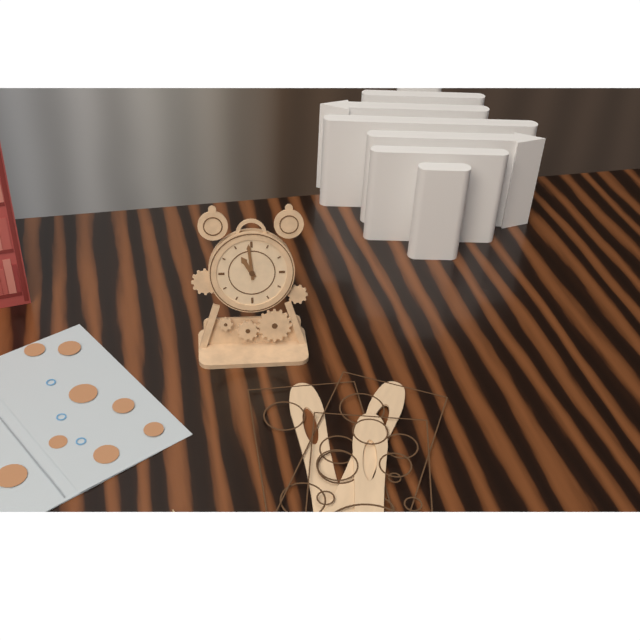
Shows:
10h59
